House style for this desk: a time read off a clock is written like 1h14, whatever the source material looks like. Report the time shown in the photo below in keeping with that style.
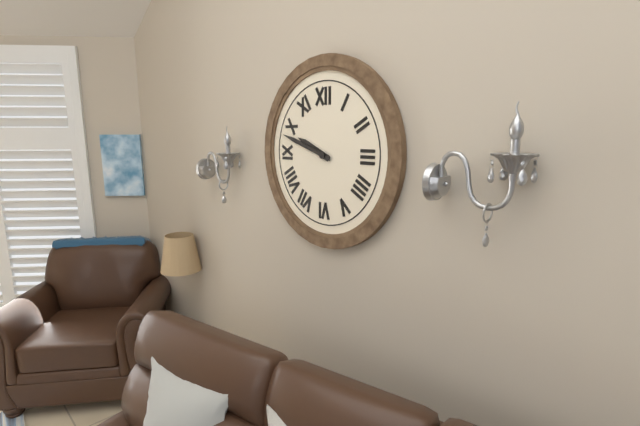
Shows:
9h48
